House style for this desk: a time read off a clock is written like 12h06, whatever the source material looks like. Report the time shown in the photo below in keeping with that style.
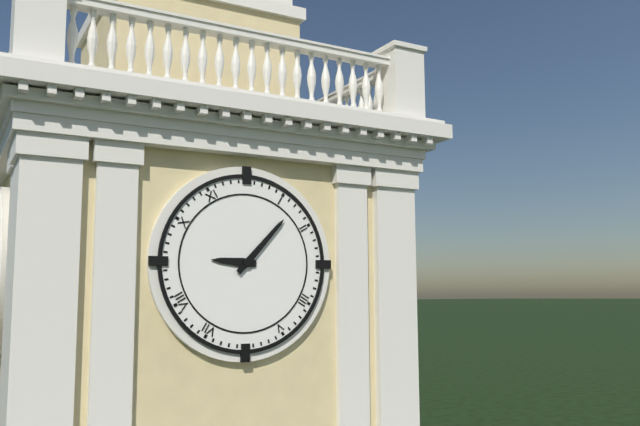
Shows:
9h07
